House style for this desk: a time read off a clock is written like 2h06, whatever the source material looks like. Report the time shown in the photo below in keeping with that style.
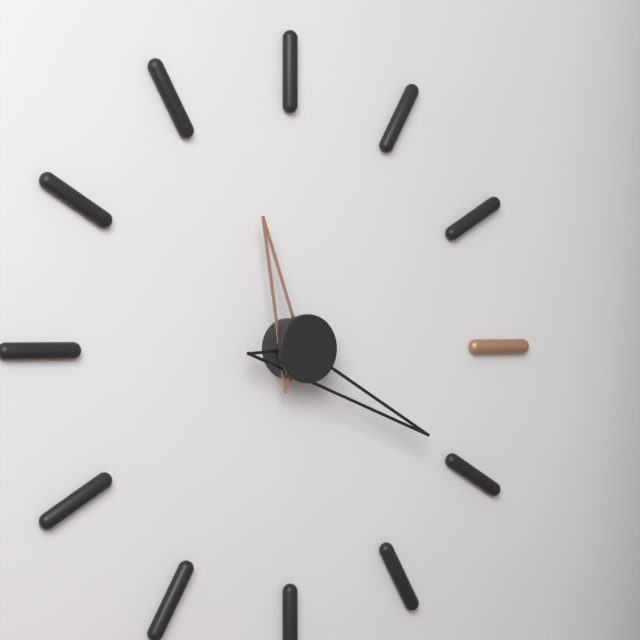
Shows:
11h20
